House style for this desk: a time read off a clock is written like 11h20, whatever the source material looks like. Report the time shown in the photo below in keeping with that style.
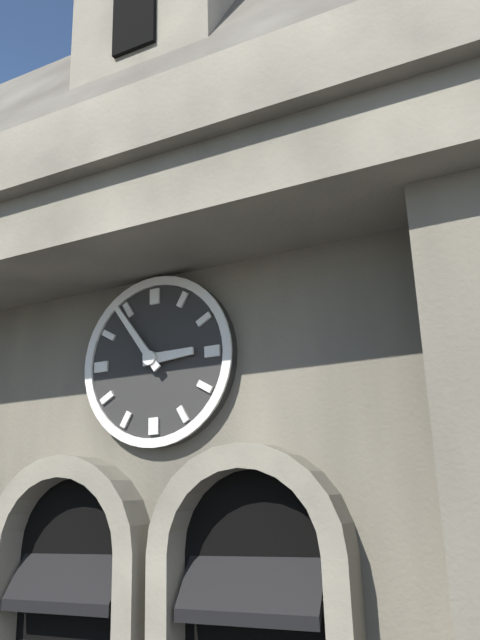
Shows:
2h54
